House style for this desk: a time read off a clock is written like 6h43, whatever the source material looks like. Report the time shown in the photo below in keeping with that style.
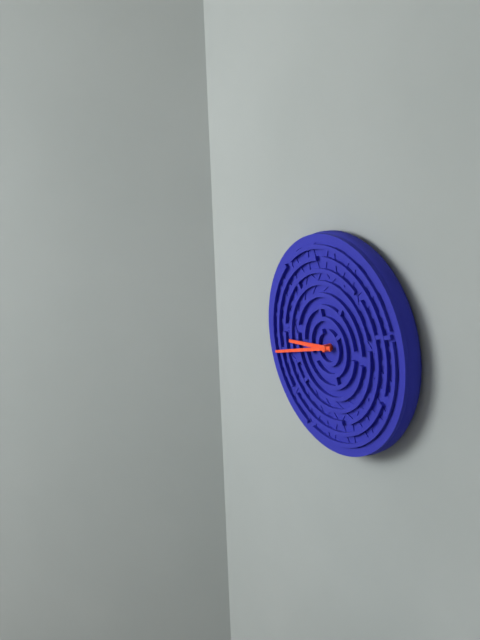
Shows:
8h42
